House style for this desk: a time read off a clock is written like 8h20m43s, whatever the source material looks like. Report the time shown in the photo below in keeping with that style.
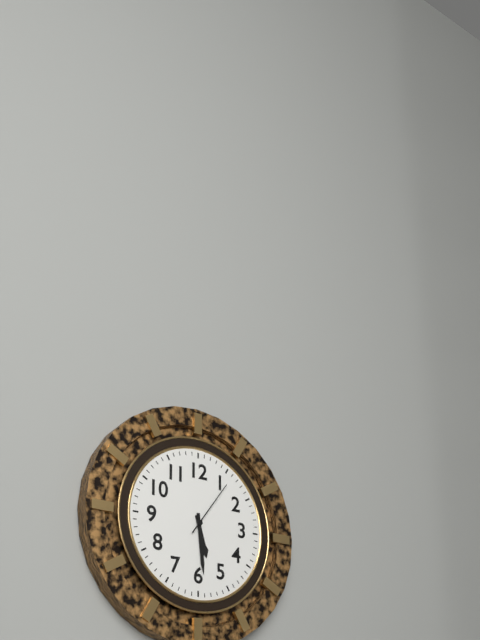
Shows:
5h29m06s
